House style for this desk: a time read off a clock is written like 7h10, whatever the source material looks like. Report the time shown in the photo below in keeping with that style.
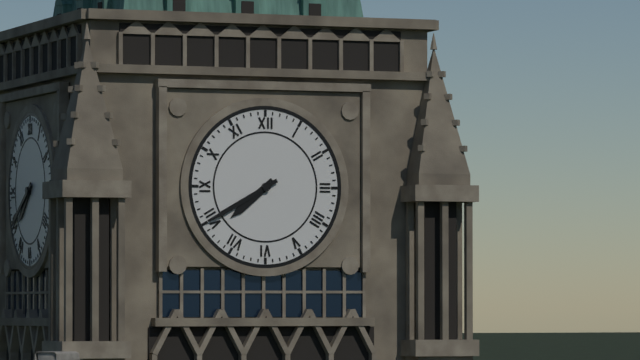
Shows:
7h40
